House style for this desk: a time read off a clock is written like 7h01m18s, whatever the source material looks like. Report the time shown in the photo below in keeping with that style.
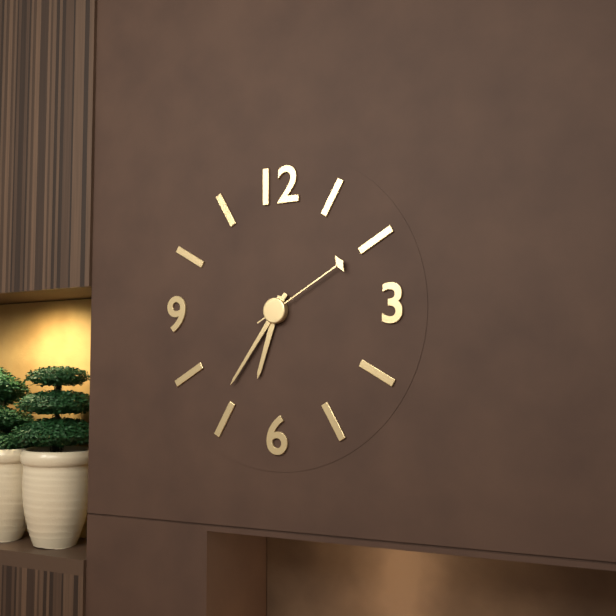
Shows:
6h36m10s
